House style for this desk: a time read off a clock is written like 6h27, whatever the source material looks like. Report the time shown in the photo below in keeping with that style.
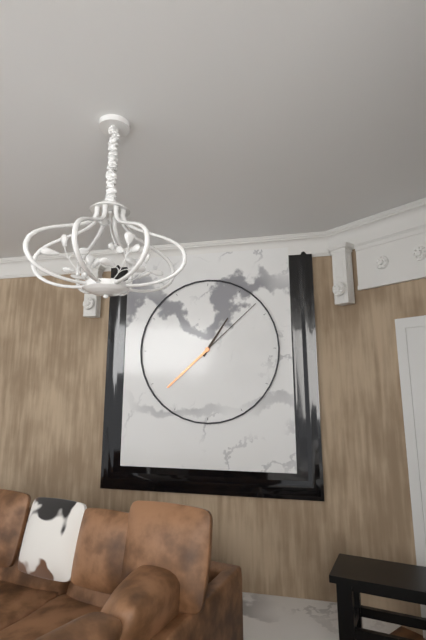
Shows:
1h08
